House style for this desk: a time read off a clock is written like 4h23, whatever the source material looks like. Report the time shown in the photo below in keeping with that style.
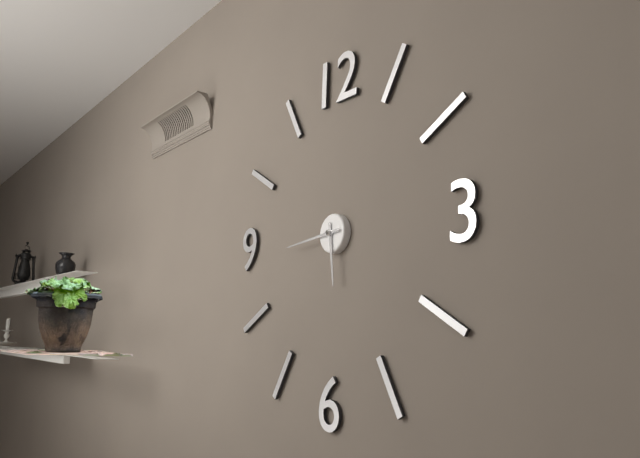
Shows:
5h44
